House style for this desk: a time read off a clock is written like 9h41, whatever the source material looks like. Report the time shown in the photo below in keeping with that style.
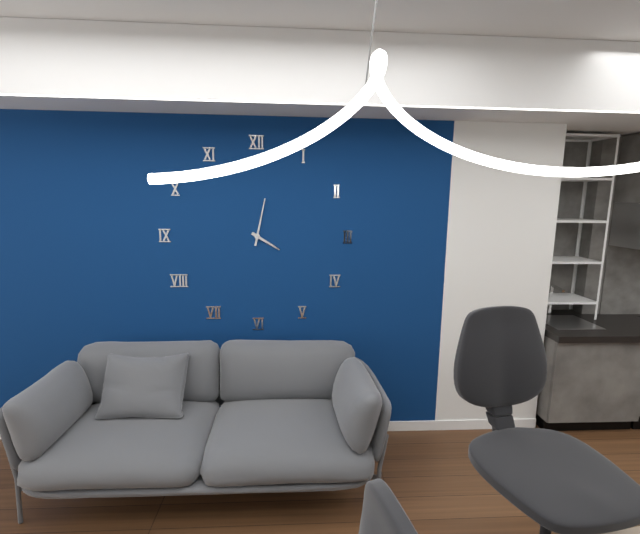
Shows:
4h02
